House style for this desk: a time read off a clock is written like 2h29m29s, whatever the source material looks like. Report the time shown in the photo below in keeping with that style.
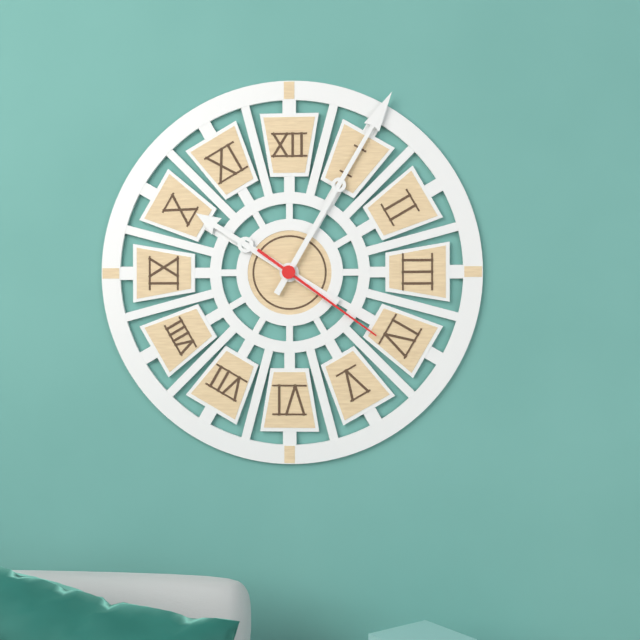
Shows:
10h05m21s
